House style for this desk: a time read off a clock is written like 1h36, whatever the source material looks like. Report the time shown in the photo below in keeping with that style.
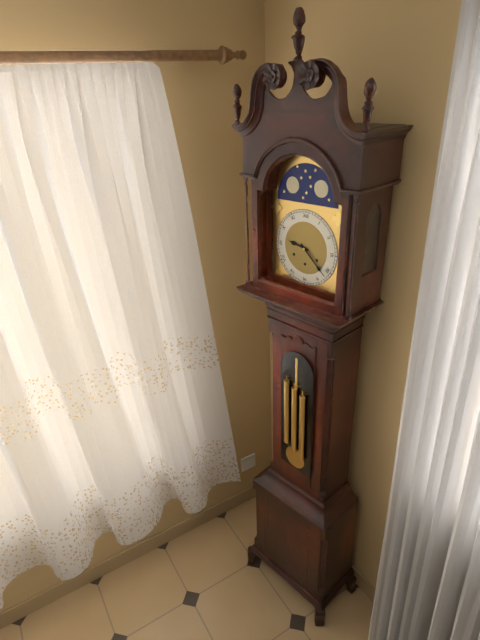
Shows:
9h22
